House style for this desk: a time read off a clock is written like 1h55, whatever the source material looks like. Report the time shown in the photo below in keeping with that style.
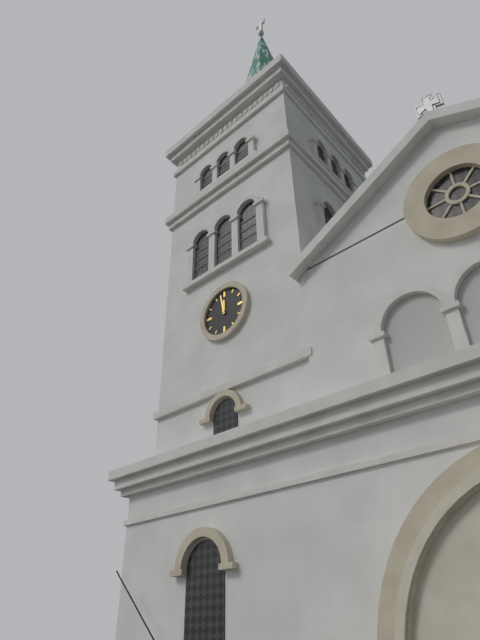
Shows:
11h58
